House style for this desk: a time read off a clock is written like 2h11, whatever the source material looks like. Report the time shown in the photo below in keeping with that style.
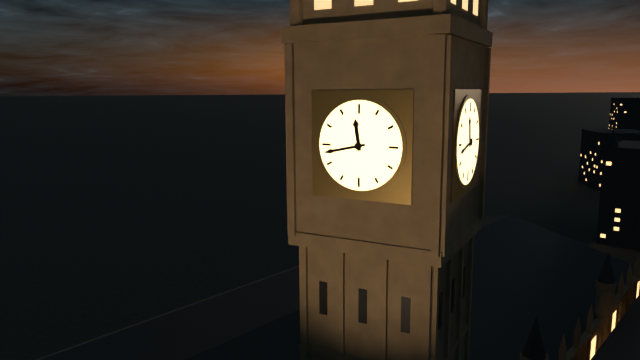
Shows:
11h43
